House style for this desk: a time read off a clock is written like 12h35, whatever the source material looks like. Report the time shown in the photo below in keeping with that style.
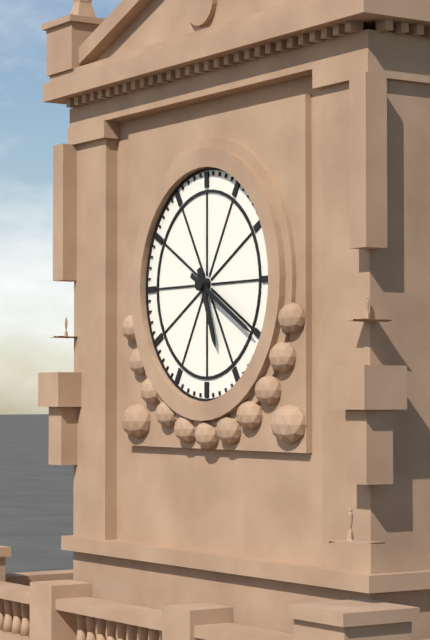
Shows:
5h20
